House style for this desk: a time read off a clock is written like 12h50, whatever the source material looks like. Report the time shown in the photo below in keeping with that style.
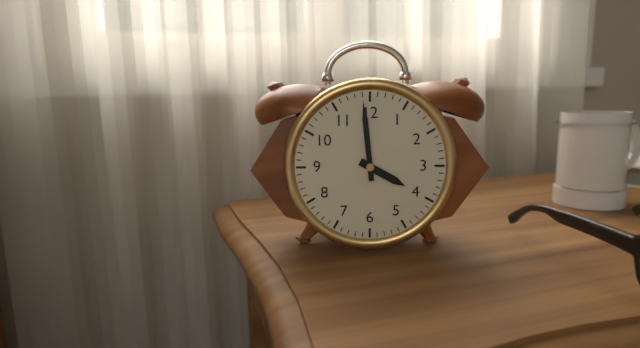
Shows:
3h59
